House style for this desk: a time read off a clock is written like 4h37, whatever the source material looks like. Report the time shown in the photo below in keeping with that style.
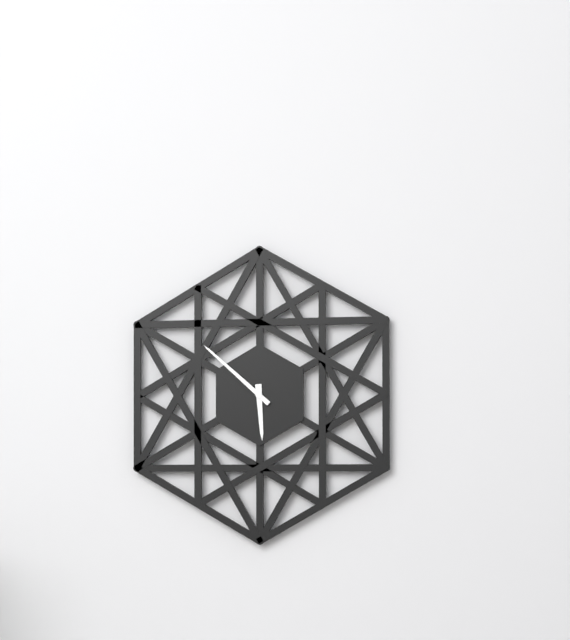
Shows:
5h52
